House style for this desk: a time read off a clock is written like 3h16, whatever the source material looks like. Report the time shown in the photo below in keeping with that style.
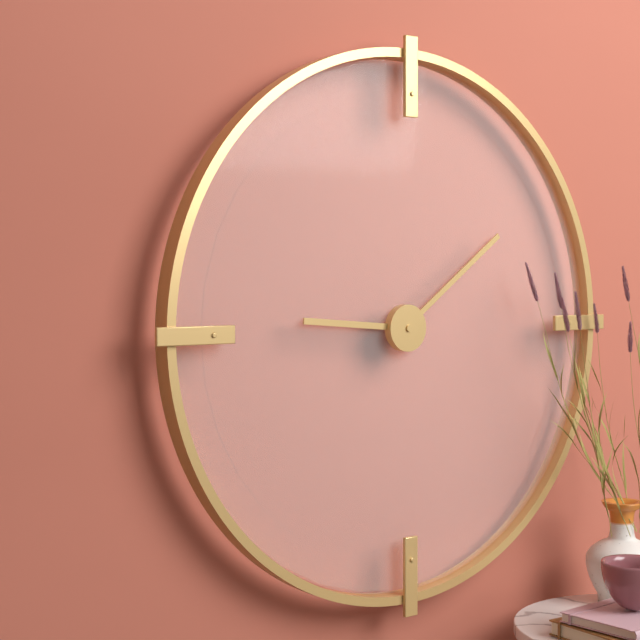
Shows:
9h09
